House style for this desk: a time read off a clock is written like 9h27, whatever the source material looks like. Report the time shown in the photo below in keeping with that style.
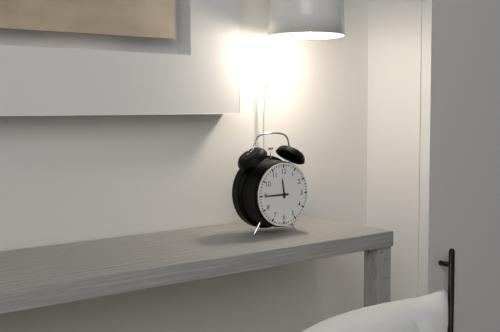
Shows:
11h45
